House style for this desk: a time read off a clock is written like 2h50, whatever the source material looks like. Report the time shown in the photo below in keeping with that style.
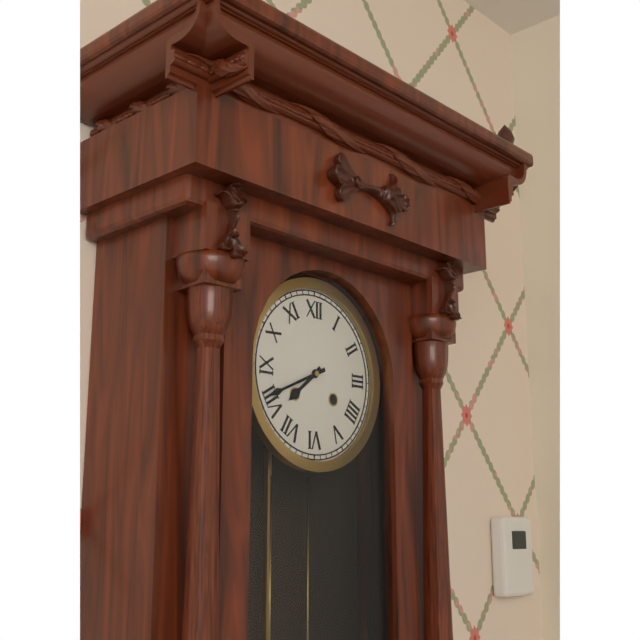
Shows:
7h41
